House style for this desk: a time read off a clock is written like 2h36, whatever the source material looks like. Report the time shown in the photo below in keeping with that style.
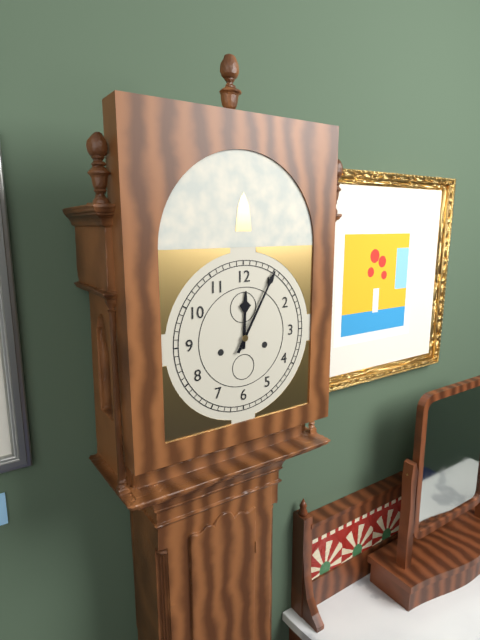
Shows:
12h05
